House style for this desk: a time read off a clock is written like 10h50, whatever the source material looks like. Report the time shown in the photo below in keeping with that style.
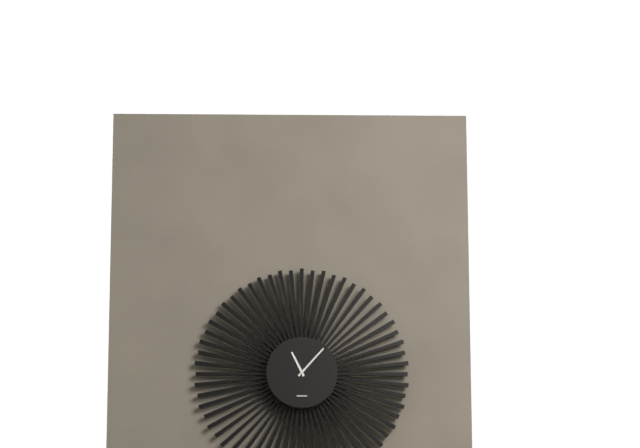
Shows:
11h07
